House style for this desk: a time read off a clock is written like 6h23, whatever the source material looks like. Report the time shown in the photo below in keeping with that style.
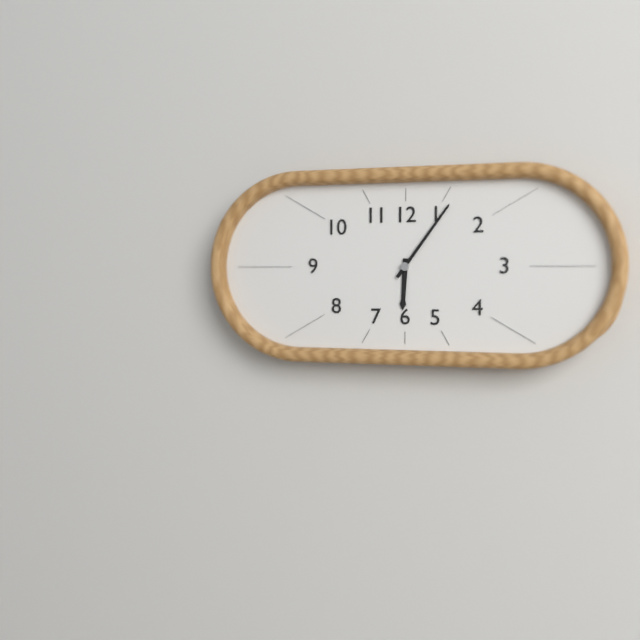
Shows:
6h06
